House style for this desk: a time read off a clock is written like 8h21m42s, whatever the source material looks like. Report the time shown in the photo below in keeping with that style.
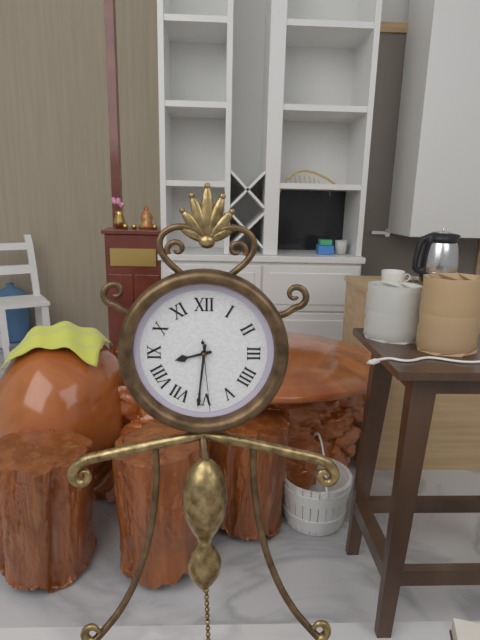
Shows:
8h31m29s
